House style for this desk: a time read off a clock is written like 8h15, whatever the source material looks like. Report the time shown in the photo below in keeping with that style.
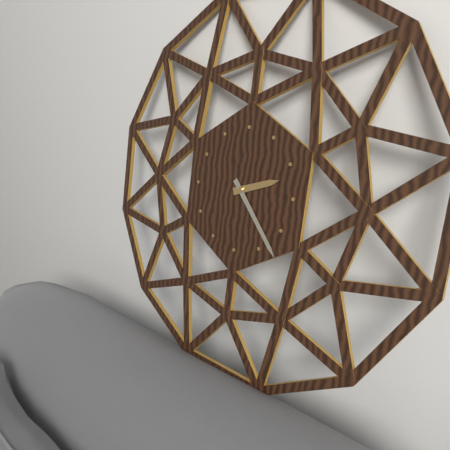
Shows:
2h23
